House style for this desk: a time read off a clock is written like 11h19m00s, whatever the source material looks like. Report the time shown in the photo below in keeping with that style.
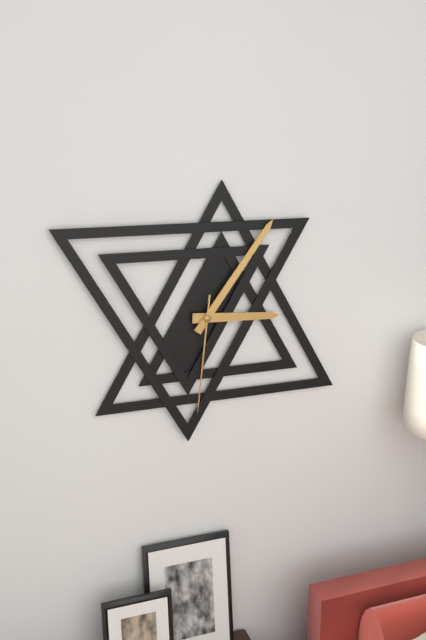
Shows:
3h06m31s
